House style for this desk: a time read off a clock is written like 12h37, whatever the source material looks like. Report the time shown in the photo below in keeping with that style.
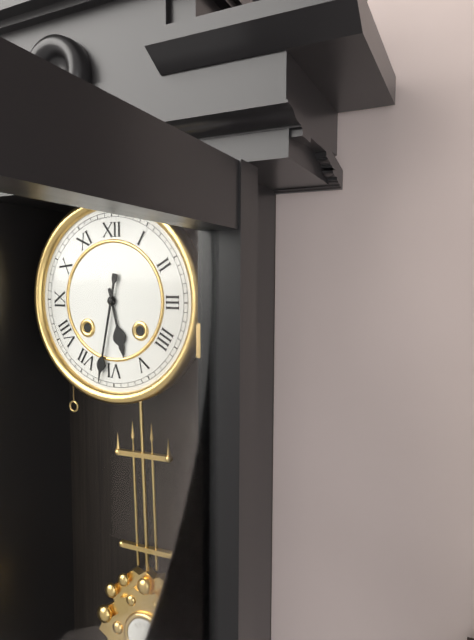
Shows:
5h32
